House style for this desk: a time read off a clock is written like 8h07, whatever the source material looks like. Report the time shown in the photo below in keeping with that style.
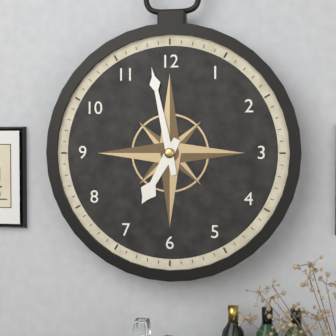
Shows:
6h58
